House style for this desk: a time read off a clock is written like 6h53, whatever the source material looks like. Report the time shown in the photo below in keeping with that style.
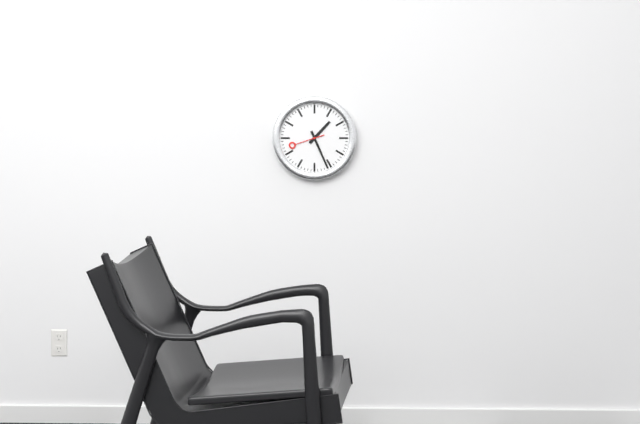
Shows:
1h26
